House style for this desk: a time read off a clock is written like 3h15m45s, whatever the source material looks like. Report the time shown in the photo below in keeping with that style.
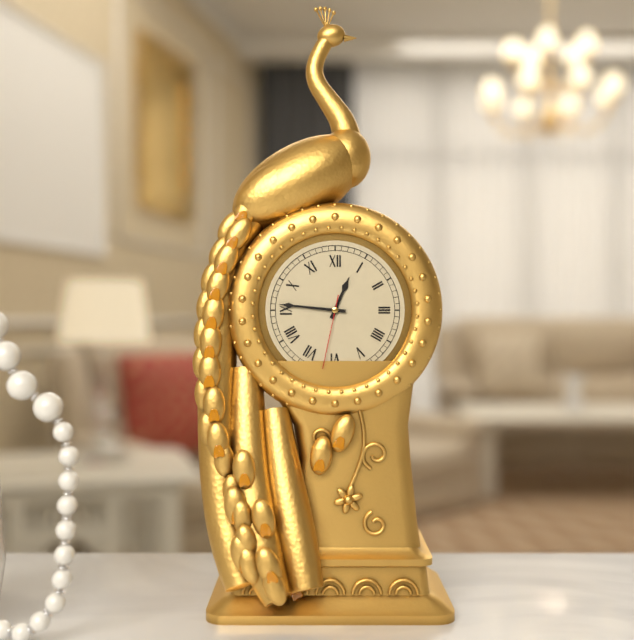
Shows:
12h46m32s
